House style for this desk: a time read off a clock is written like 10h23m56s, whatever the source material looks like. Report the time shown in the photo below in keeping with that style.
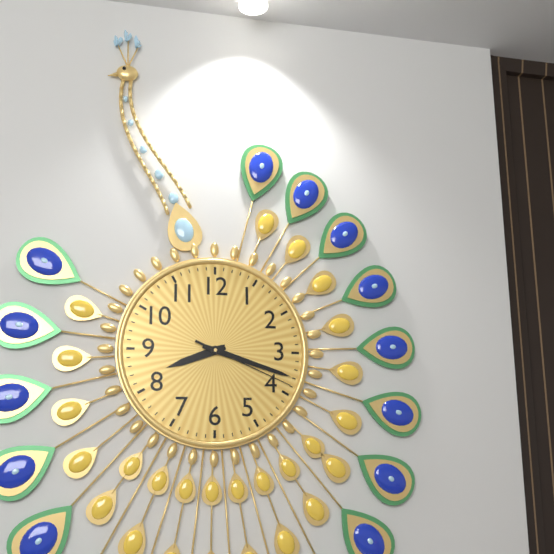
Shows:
8h18m19s
